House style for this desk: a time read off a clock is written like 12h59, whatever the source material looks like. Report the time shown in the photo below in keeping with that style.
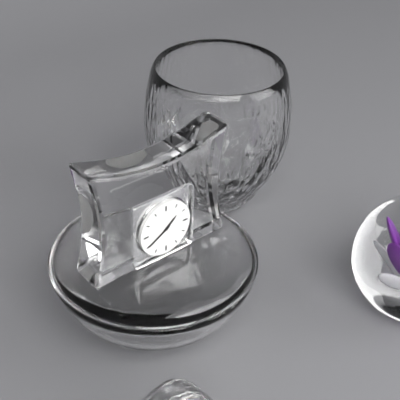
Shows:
1h40
